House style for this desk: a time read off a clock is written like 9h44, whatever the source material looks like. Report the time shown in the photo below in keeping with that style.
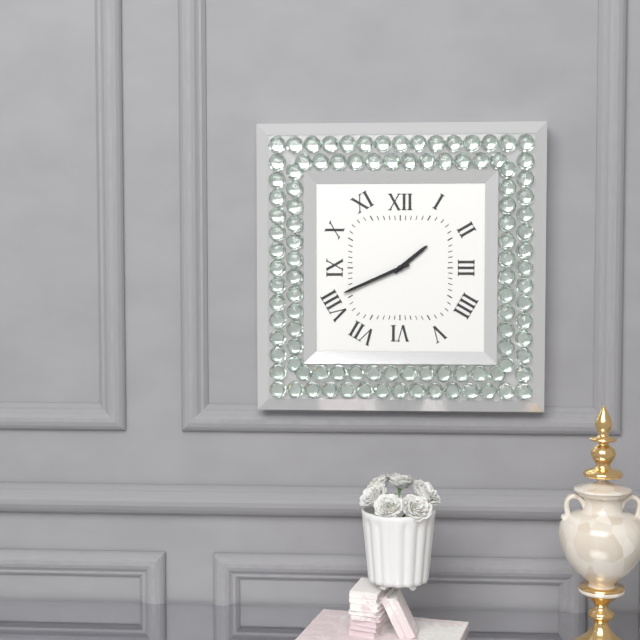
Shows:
1h41
